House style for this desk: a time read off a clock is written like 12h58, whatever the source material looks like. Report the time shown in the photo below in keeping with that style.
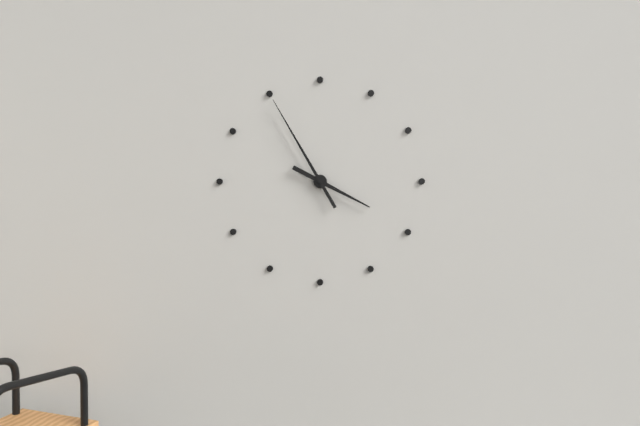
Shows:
3h55
